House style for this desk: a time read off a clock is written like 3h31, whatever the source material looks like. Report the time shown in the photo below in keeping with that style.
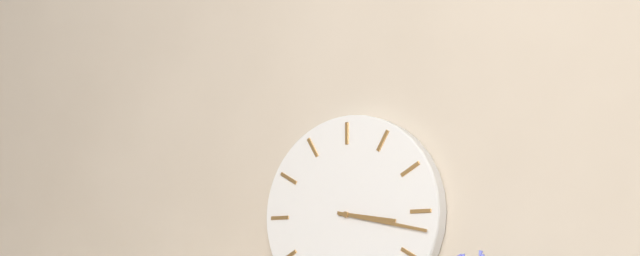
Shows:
3h17
